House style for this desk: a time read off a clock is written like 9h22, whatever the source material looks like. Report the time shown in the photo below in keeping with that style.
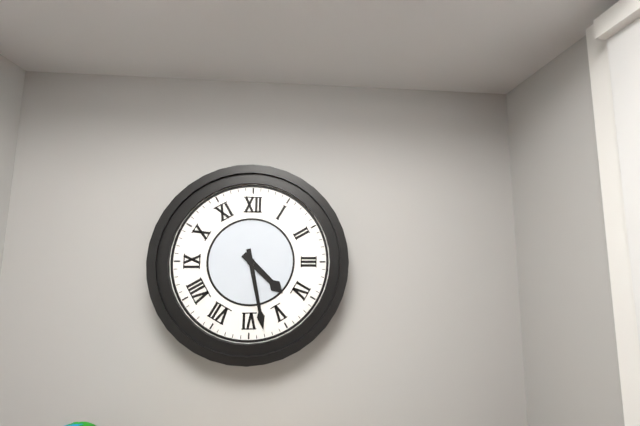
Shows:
4h28
